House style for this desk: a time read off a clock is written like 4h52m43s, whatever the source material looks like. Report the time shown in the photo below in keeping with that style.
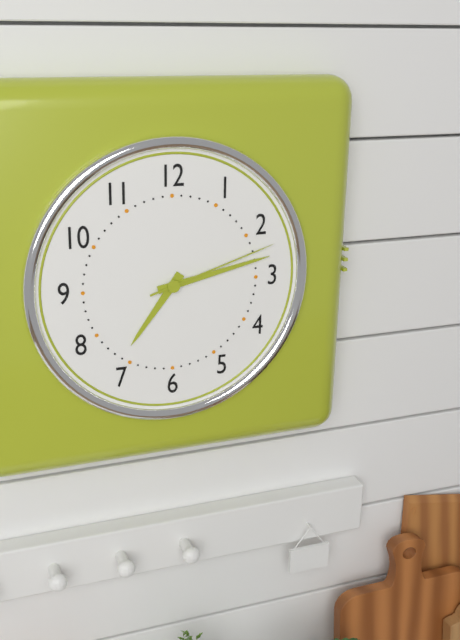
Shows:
7h13m12s
